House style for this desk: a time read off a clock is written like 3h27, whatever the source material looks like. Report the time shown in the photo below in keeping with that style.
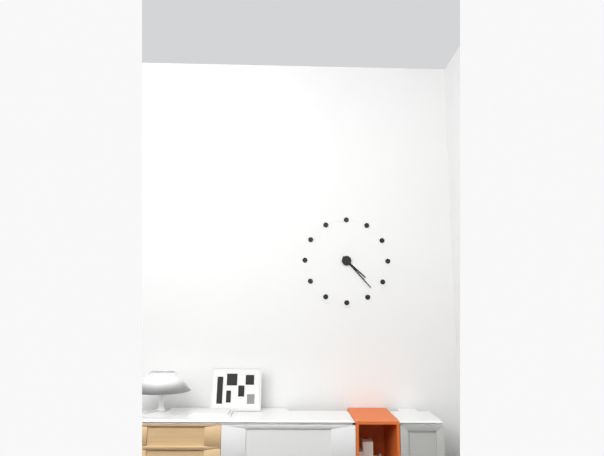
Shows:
4h23
